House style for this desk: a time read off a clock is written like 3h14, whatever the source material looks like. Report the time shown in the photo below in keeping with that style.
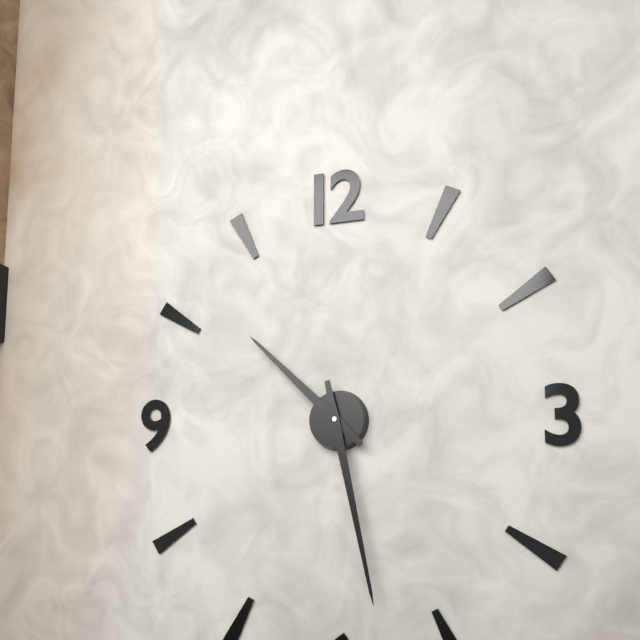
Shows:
10h28
